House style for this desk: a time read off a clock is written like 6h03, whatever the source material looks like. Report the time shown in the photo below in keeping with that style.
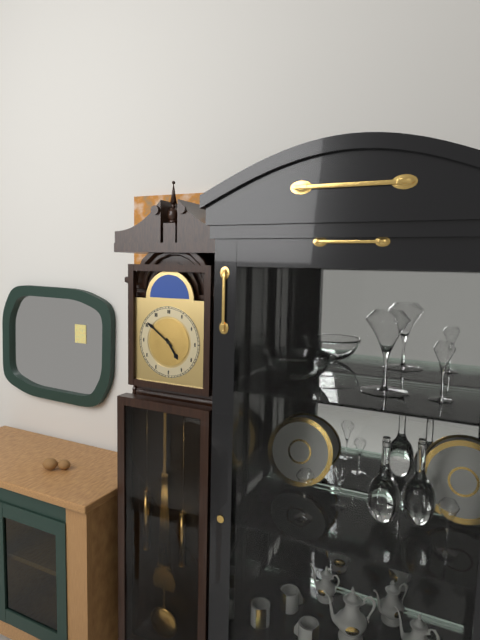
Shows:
4h51
